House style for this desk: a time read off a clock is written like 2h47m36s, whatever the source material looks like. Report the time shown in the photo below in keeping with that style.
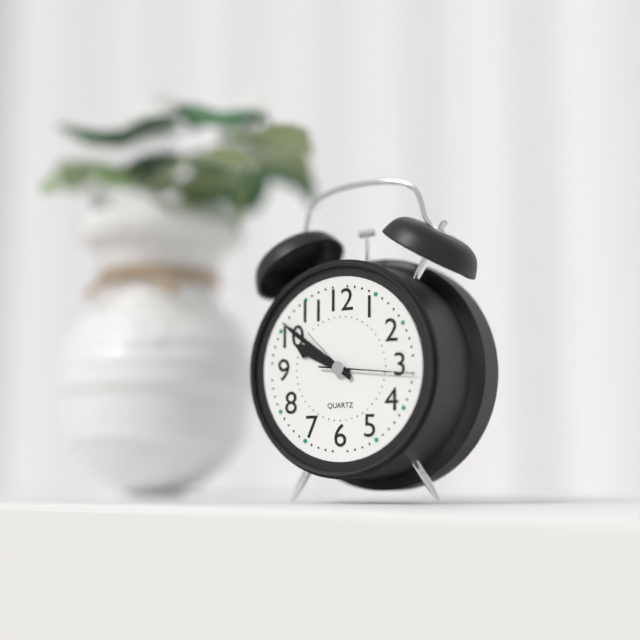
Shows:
9h51m16s
